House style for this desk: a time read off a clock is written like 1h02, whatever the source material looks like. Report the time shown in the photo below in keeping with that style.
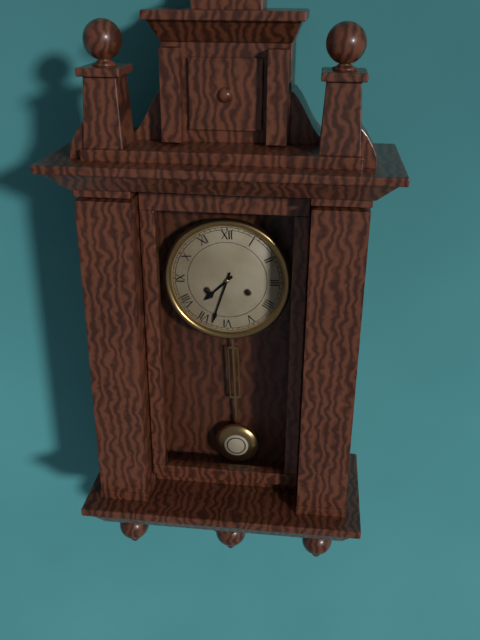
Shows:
7h33
